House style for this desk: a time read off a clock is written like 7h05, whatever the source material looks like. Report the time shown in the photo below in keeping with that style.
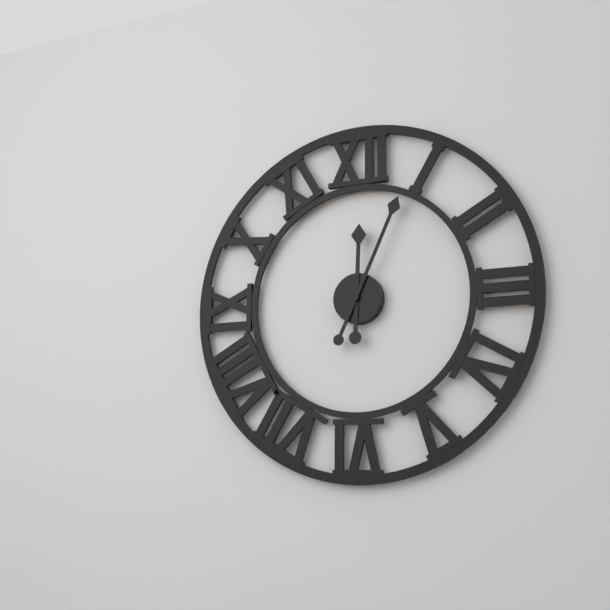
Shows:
12h04
